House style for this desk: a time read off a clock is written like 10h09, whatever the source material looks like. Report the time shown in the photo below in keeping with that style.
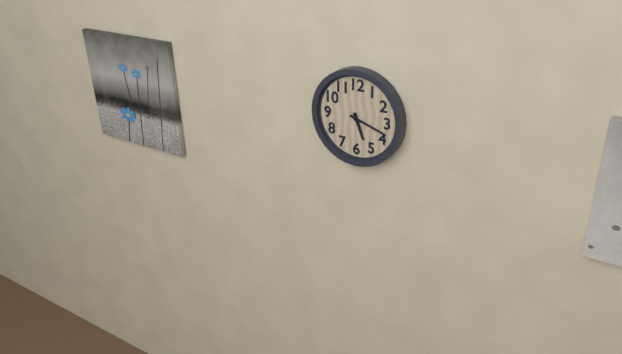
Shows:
5h18
